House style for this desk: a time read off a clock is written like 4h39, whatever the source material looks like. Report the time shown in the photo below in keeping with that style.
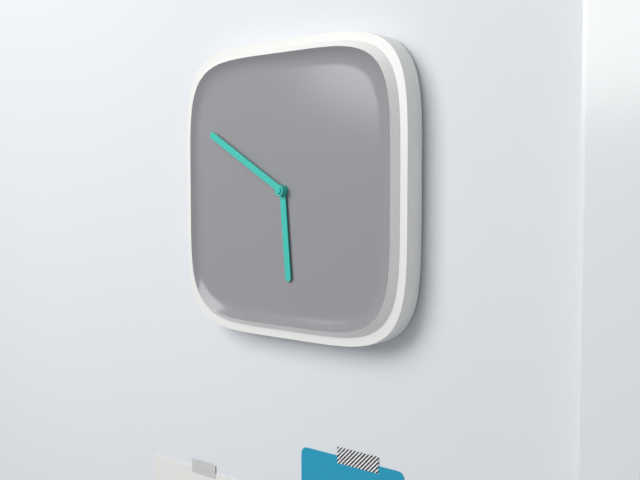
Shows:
5h50
